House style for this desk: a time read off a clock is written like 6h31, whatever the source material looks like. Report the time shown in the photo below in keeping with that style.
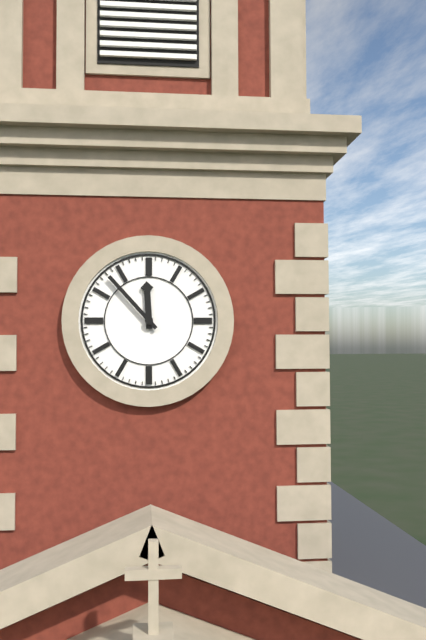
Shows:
11h53
